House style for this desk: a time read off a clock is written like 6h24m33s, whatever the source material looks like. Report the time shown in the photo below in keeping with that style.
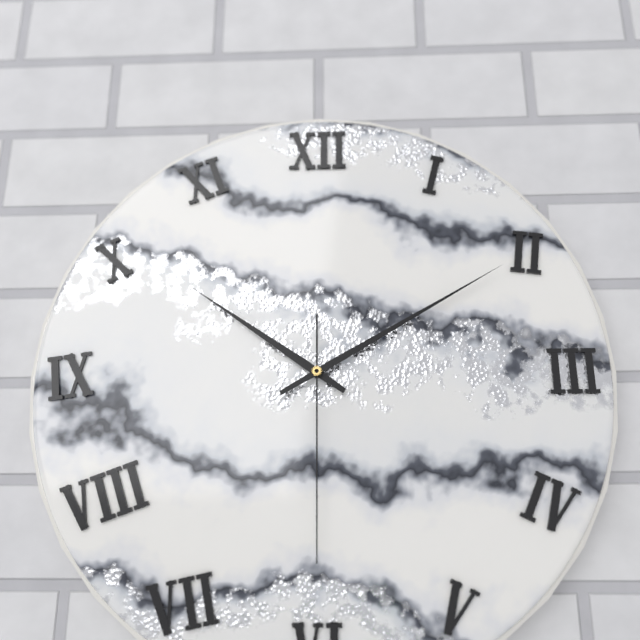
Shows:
10h10m30s
